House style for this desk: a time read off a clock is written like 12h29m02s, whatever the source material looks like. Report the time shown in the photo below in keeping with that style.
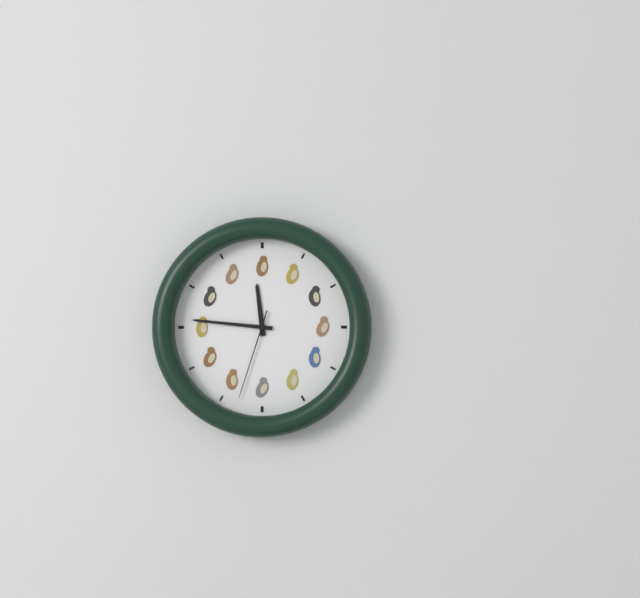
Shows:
11h46m33s
